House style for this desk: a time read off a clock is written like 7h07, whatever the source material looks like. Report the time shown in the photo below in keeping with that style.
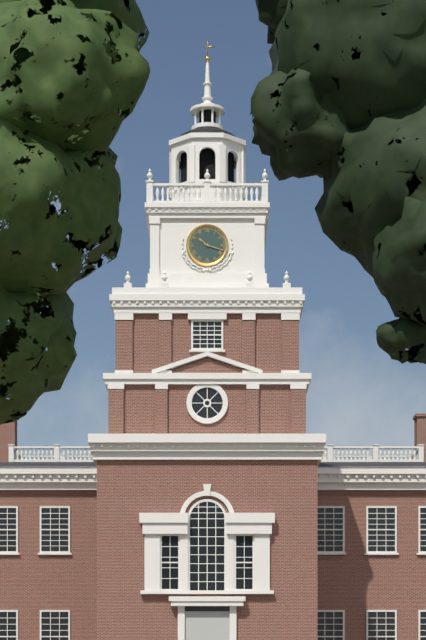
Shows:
10h18
